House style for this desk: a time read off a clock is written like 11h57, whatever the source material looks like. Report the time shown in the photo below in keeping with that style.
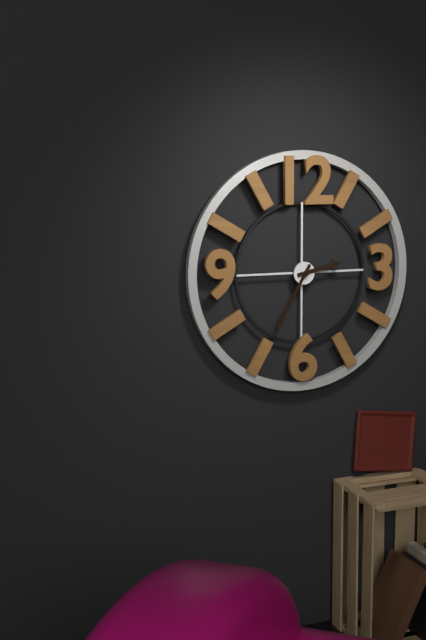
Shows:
2h35
